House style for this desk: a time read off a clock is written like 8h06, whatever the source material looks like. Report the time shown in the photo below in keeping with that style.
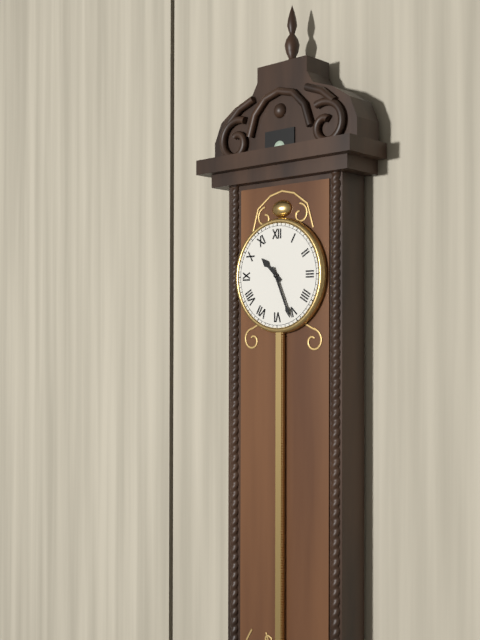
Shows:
10h26
